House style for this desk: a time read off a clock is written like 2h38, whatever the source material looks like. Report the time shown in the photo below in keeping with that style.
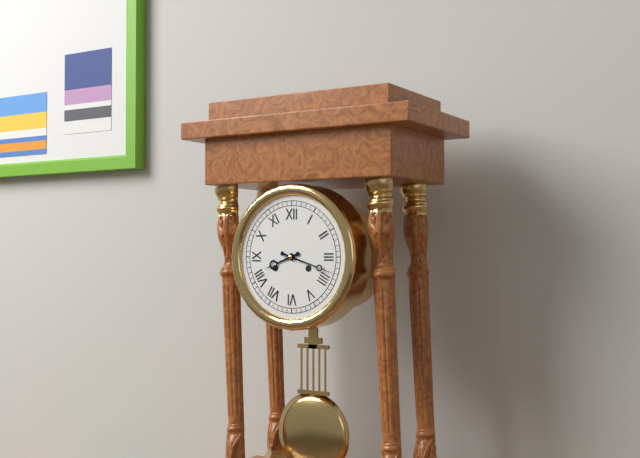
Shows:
8h18
